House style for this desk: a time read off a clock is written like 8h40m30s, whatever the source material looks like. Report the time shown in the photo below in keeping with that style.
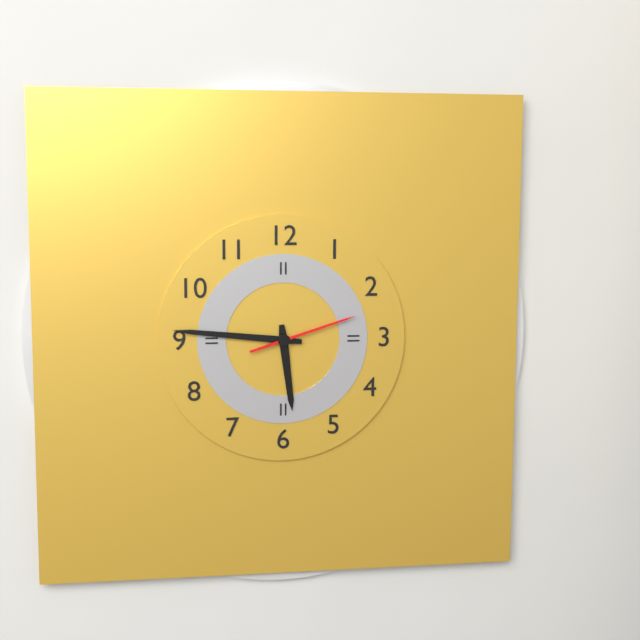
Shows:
5h46m12s
